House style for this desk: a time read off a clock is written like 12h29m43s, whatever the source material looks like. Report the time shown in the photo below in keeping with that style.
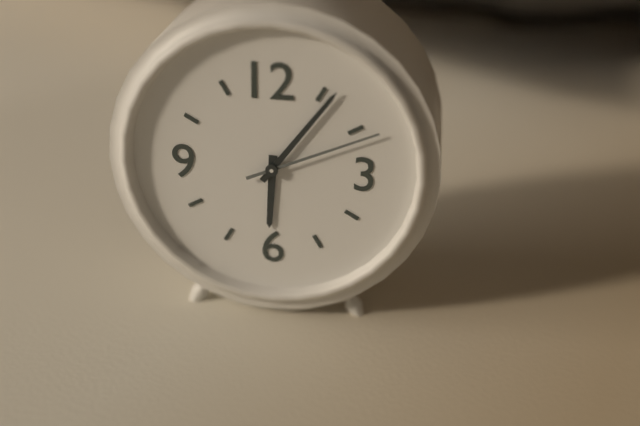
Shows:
6h06m11s
